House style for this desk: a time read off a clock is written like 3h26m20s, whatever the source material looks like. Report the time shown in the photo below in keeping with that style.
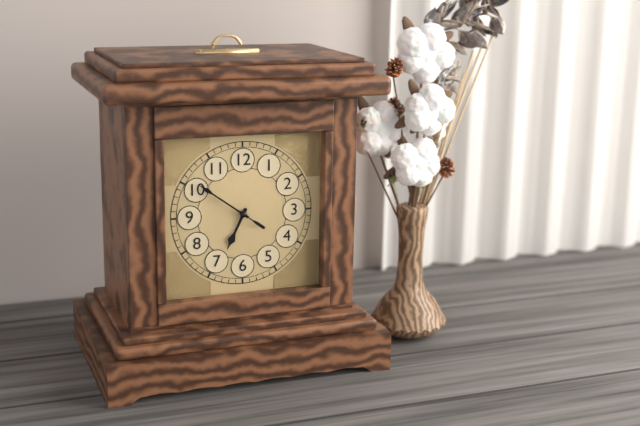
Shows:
6h51m51s
